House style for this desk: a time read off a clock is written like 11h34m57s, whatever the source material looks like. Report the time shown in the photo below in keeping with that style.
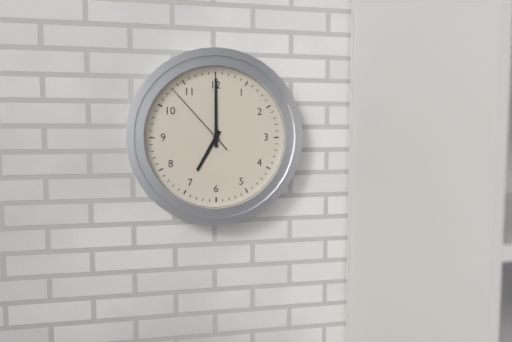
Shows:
7h00m53s
